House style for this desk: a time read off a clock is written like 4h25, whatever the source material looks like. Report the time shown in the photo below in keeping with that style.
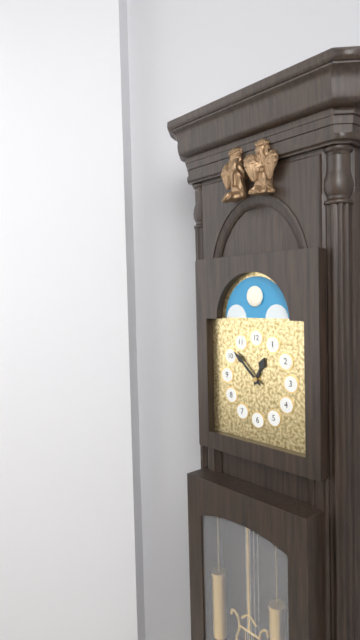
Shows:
12h52
